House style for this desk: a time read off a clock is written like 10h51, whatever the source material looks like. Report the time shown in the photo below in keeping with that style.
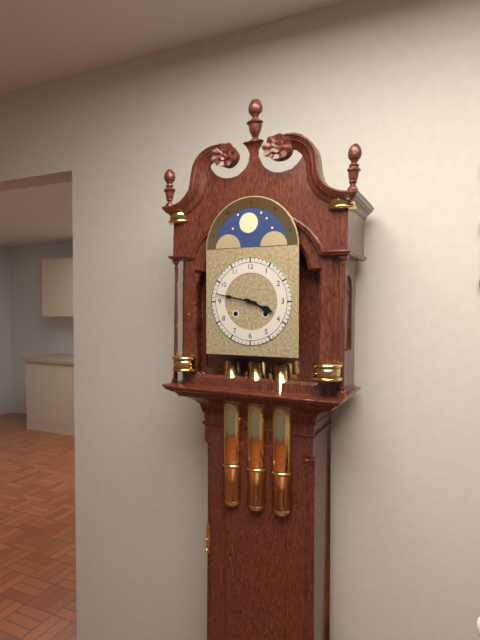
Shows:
3h47
